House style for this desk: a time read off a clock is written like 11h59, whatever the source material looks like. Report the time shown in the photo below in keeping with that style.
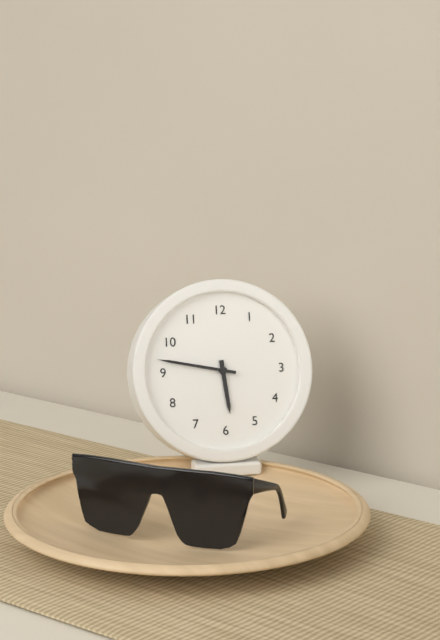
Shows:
5h47
